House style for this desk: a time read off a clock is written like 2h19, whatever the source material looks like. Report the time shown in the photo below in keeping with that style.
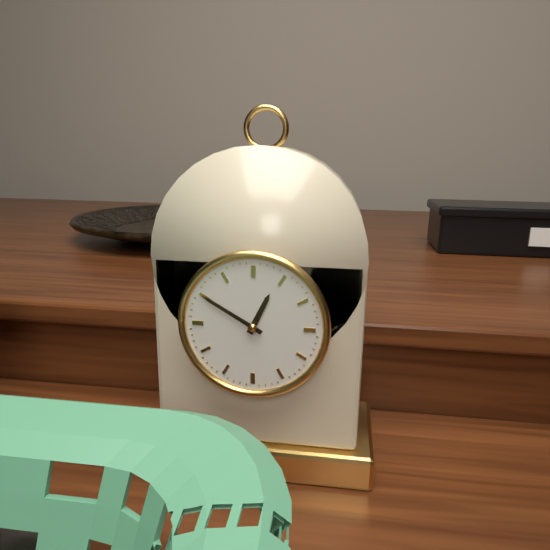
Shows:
12h50
